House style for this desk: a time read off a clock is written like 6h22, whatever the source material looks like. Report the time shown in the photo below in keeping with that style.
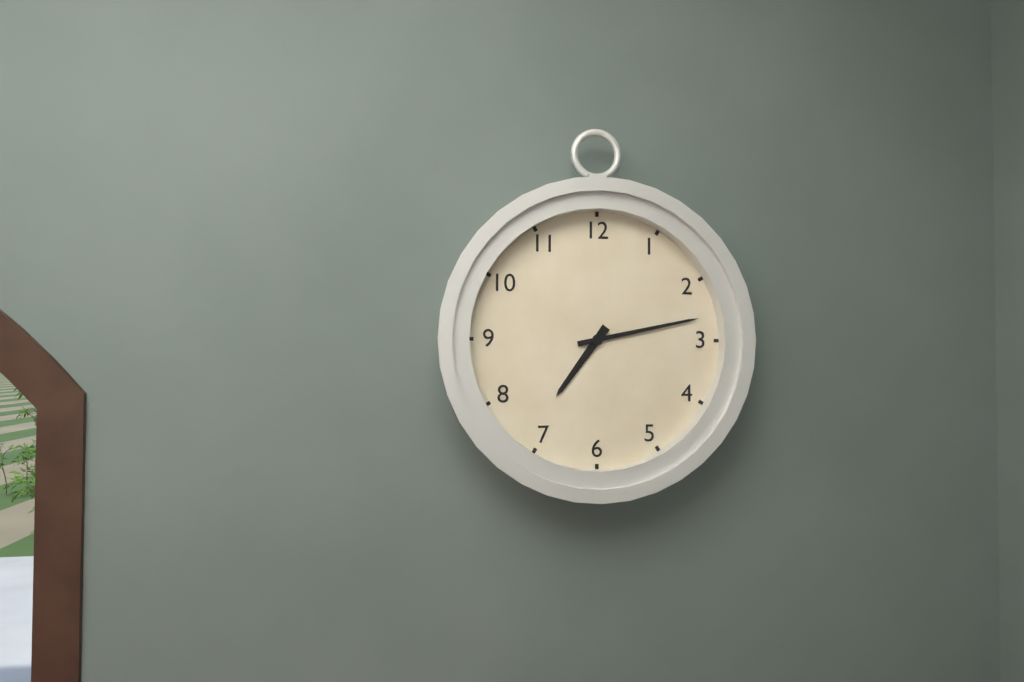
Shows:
7h13
